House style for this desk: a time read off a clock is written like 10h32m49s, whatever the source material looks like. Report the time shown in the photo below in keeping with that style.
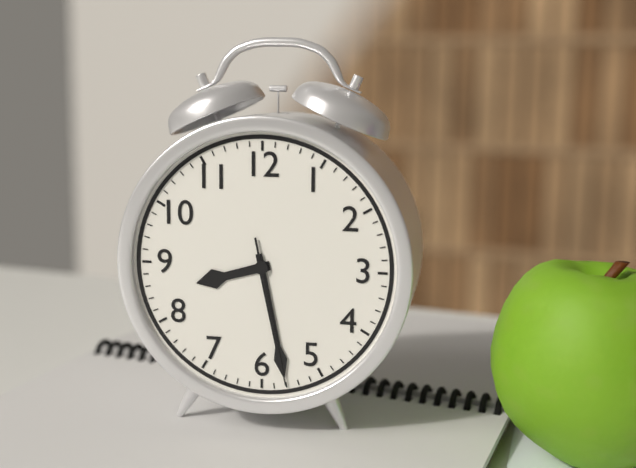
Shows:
8h28m28s
